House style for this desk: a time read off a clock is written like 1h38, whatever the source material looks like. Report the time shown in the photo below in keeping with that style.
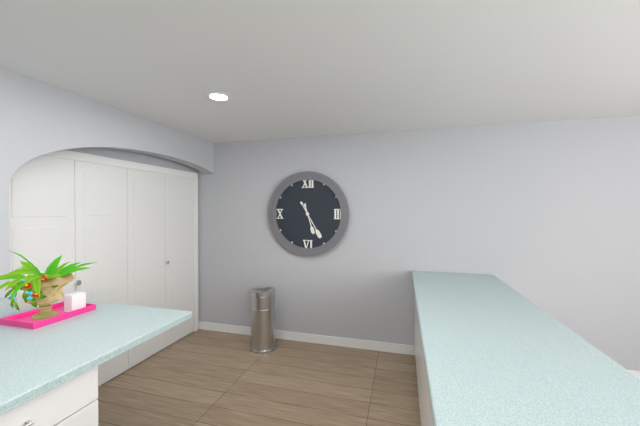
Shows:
5h25
